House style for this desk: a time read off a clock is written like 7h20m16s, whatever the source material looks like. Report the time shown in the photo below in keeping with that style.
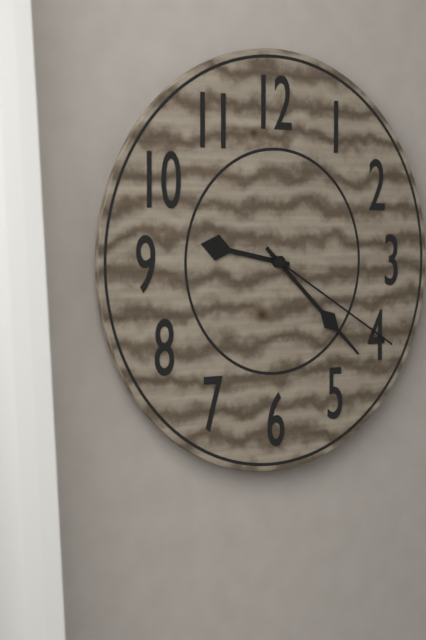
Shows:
9h22m20s
